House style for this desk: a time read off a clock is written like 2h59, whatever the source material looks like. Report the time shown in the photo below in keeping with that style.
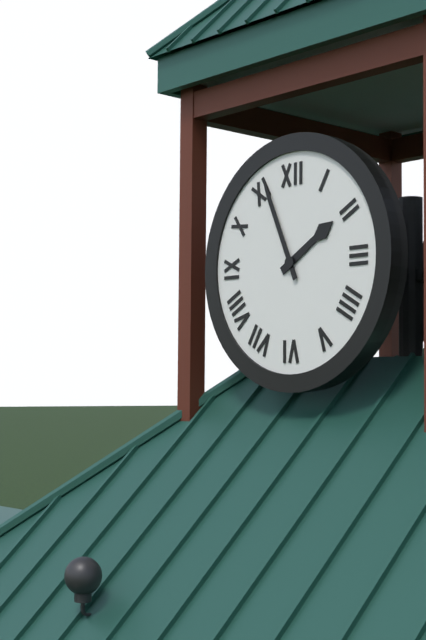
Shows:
1h56
